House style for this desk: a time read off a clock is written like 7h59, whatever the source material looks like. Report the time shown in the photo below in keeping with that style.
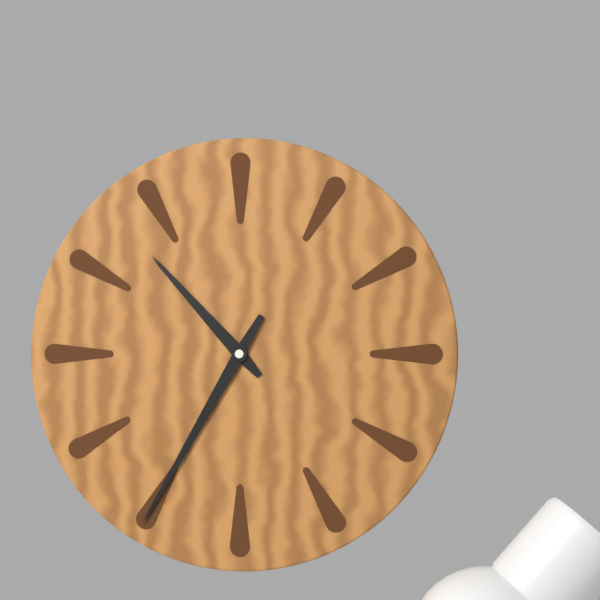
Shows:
10h35
